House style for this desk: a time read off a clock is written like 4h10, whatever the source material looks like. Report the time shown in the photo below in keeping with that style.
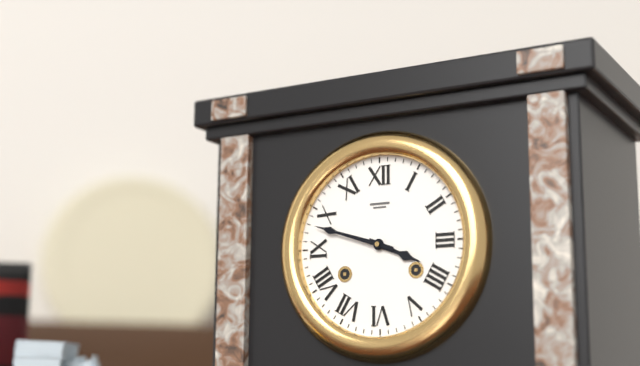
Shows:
3h48
